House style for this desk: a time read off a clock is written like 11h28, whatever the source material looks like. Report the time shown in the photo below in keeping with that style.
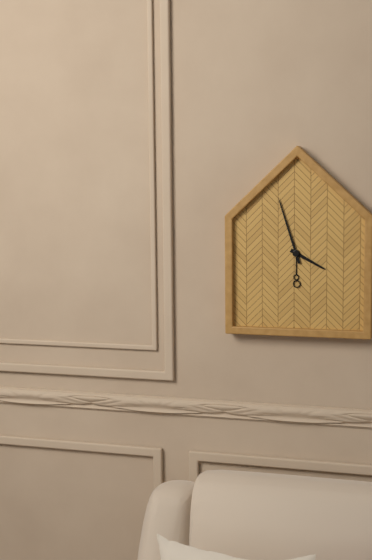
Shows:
3h57
